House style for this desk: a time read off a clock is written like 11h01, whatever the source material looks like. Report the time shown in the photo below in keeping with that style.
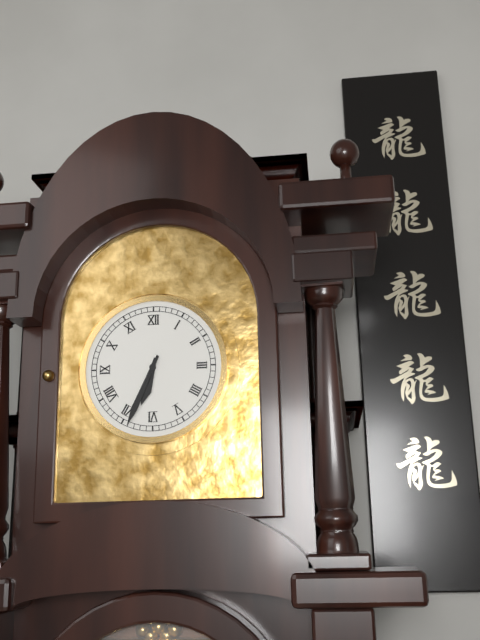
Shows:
6h34
